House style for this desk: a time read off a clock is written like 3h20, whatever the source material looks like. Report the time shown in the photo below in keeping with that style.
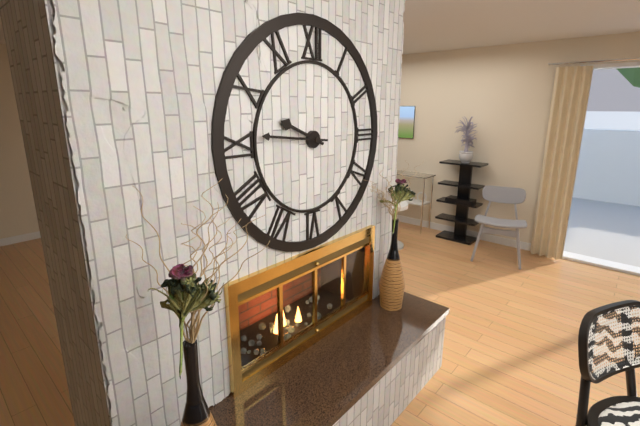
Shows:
9h46
